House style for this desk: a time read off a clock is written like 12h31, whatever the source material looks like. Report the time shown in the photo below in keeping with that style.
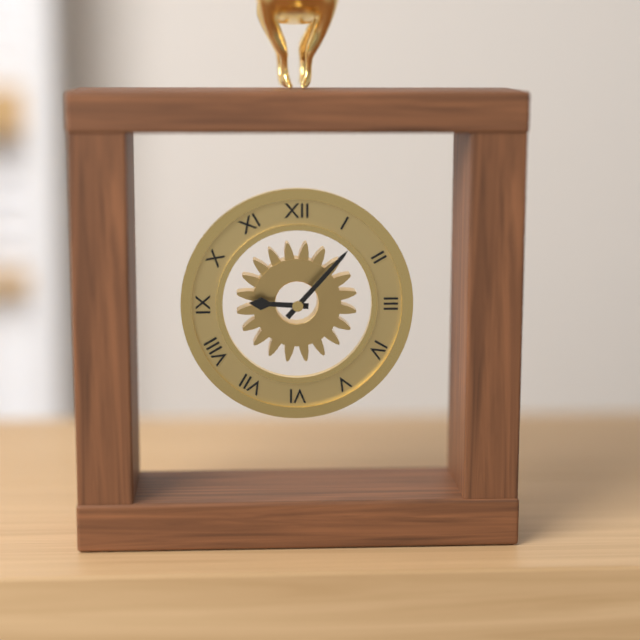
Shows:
9h07
